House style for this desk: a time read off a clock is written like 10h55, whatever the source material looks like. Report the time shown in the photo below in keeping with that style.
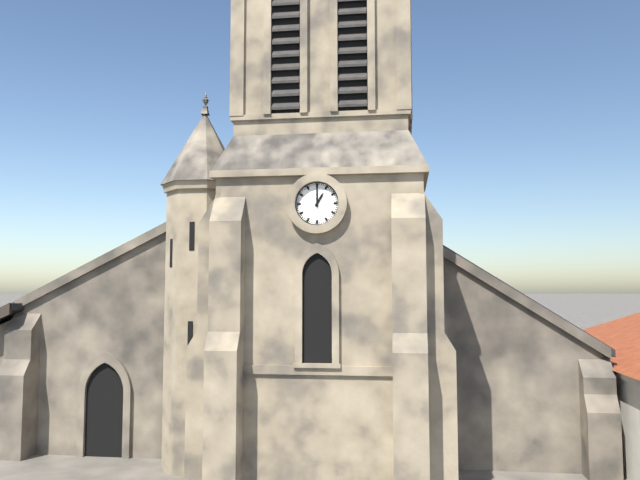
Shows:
1h00
